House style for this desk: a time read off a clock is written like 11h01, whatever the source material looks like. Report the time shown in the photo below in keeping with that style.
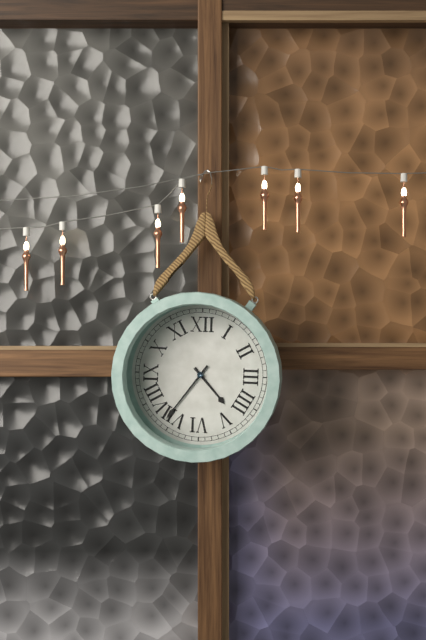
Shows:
4h36
